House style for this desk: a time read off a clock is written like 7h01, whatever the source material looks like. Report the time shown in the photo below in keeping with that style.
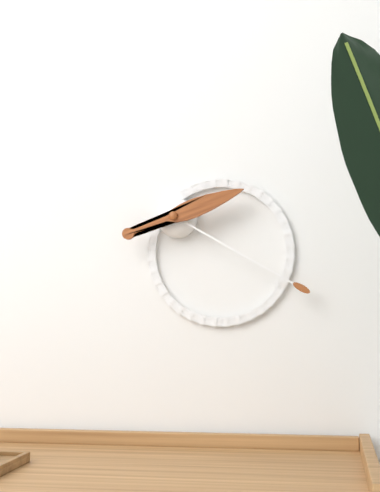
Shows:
2h20
